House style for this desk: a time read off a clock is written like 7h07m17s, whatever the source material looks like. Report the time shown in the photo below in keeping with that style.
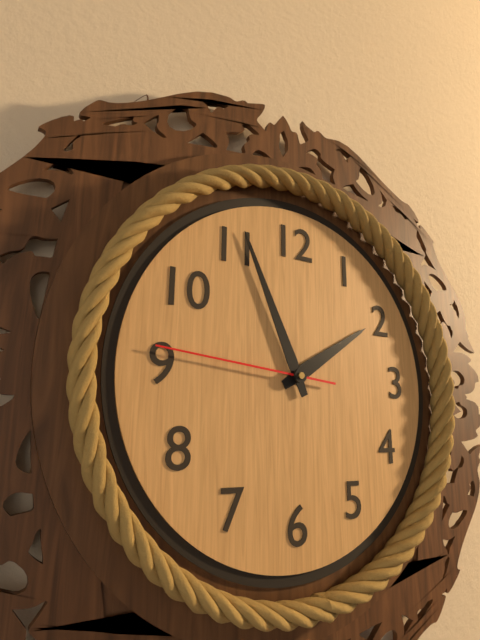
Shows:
1h56m46s
